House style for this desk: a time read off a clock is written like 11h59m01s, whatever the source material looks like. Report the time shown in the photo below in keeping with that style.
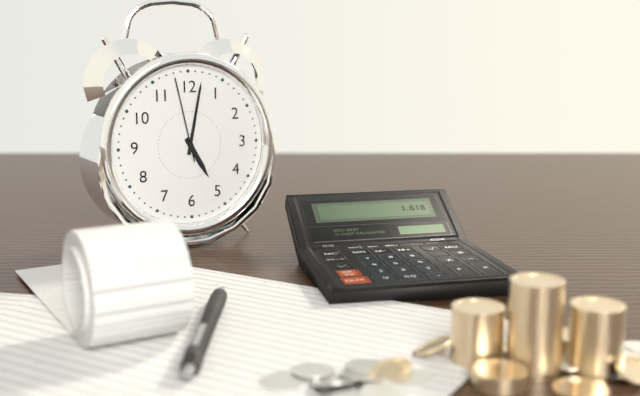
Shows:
5h02m58s
